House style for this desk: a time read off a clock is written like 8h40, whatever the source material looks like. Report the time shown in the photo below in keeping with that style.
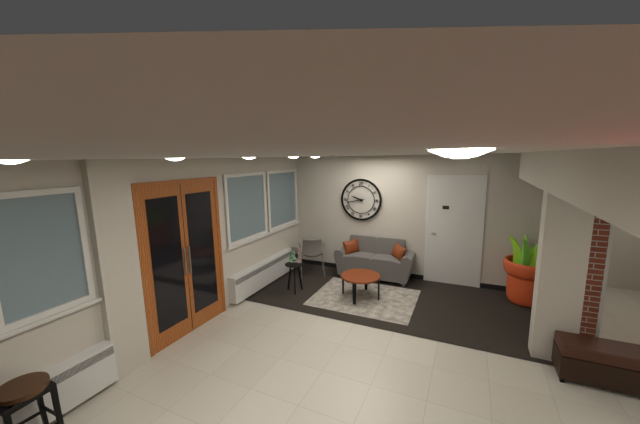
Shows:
9h43
